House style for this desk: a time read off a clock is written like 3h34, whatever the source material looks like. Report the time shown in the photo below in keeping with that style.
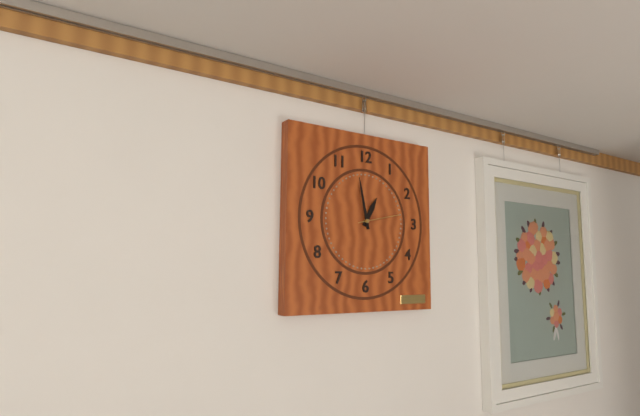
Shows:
12h58
